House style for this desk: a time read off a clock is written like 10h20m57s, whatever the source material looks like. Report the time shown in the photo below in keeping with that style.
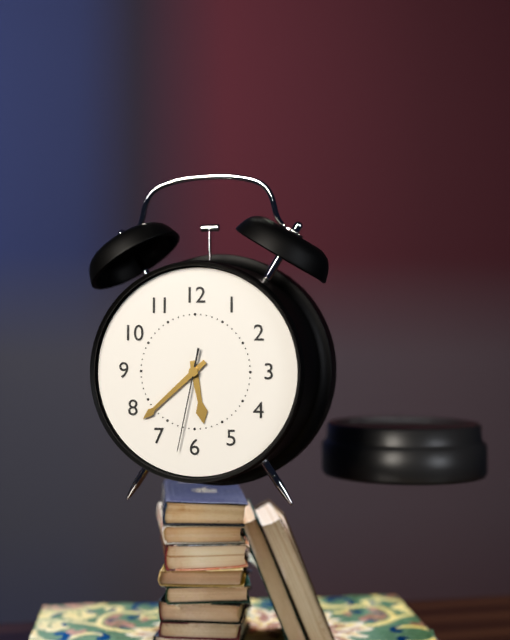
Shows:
5h38m32s
